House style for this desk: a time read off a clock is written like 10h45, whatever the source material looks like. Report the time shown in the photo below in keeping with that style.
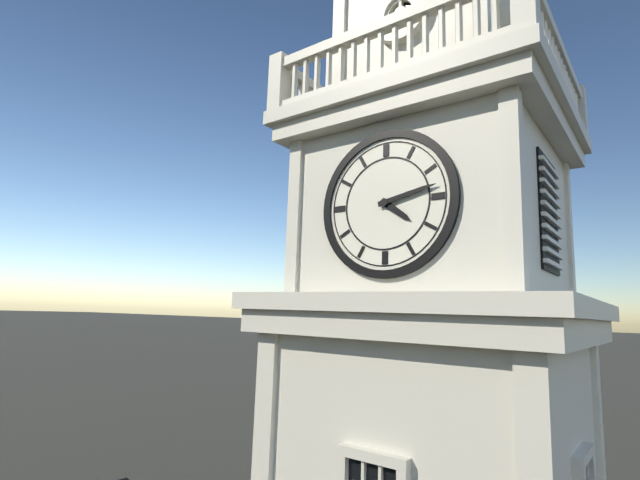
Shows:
4h13
